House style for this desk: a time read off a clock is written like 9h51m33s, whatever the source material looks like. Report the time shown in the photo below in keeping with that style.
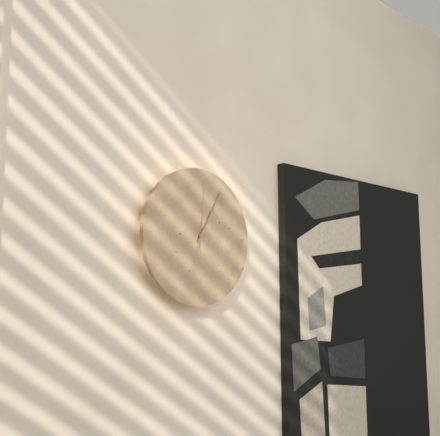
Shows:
1h05m01s
